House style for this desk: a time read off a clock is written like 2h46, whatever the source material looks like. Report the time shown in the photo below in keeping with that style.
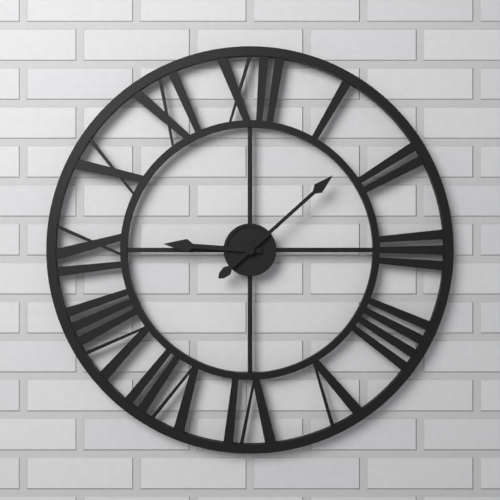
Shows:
9h08
